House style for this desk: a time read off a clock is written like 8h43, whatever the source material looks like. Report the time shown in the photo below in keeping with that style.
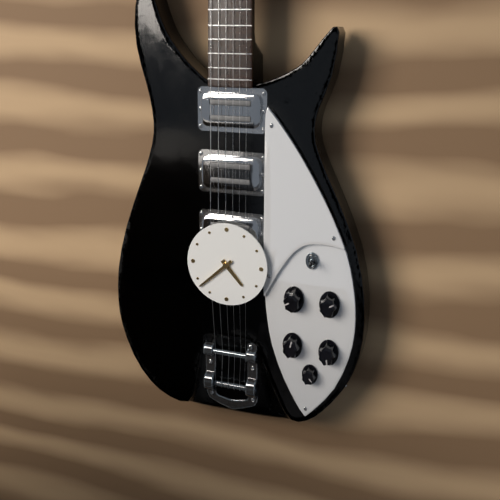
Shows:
4h38
